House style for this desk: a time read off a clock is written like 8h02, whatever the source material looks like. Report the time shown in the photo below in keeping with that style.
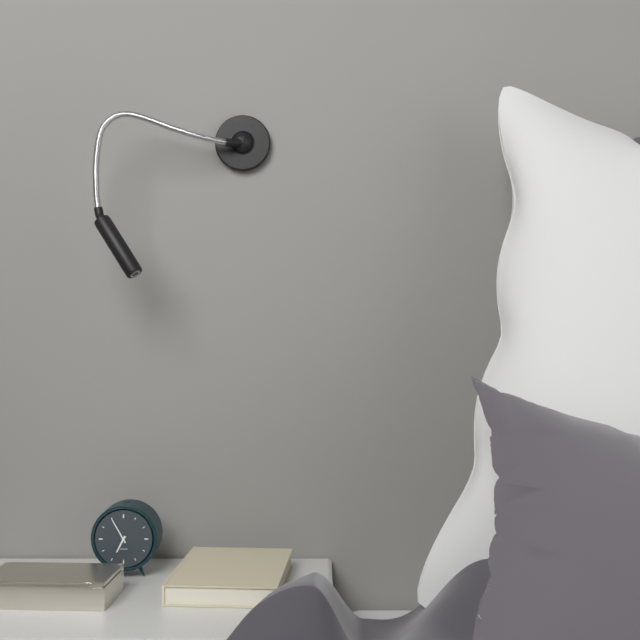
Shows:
6h55
